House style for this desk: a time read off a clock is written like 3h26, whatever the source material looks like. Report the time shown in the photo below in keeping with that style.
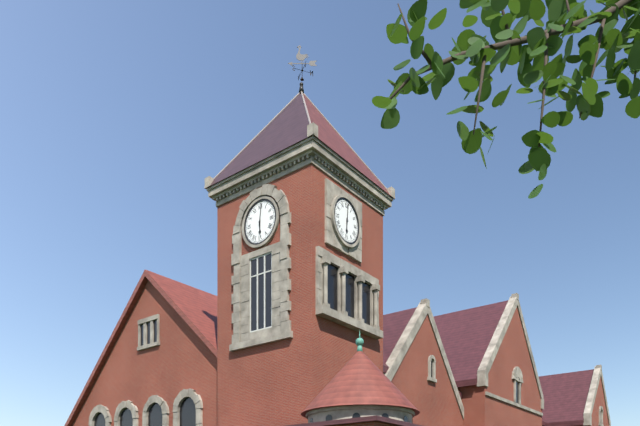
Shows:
6h01
